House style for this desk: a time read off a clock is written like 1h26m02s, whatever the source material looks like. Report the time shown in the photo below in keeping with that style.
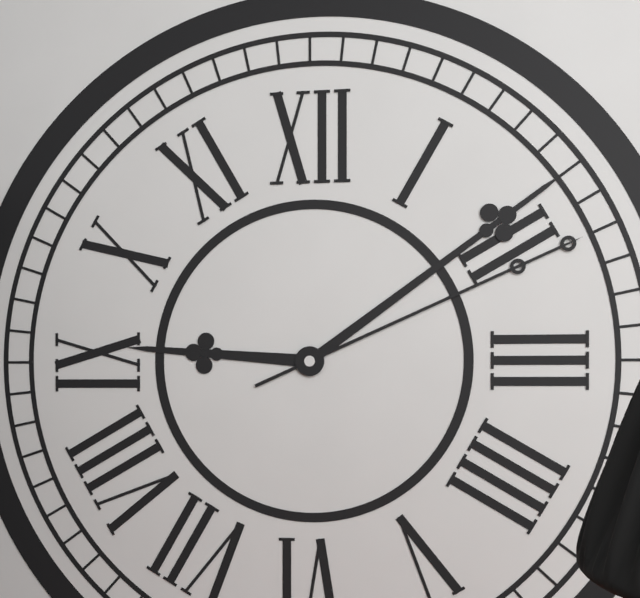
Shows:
9h09m11s
